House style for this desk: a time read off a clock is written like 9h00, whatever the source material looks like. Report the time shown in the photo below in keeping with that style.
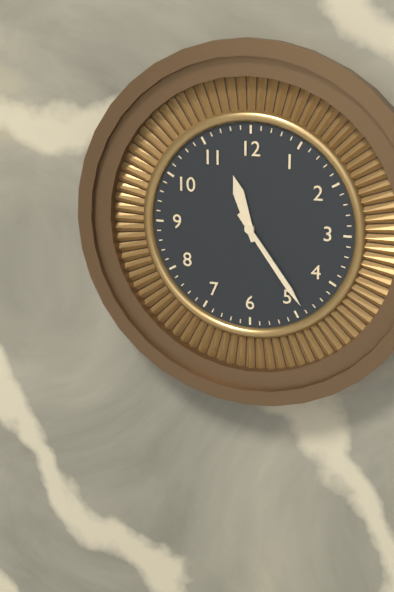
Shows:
11h24
